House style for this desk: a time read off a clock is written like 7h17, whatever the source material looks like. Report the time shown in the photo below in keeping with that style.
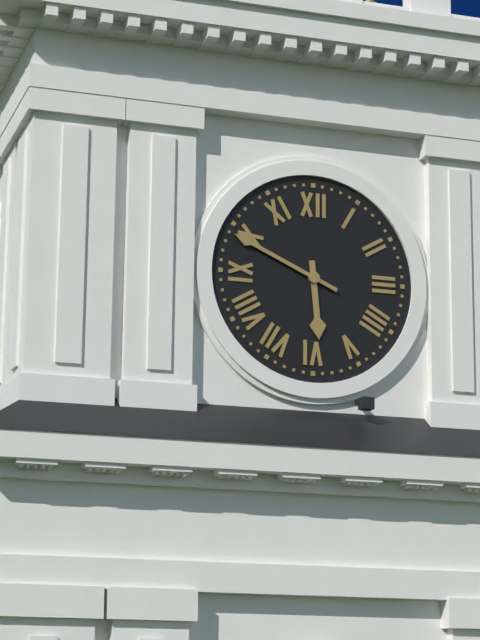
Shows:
5h49
